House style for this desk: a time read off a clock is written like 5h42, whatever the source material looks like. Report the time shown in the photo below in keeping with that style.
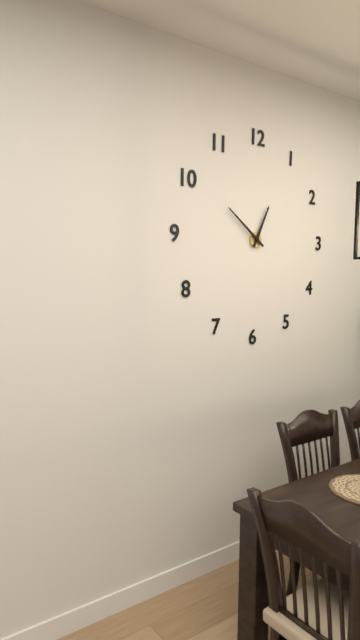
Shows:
12h51
